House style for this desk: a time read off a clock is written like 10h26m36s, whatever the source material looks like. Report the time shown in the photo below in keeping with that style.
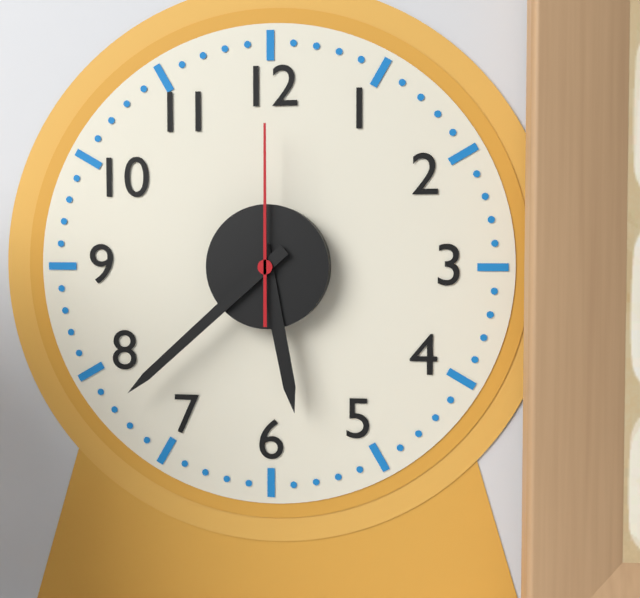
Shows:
5h38m00s
